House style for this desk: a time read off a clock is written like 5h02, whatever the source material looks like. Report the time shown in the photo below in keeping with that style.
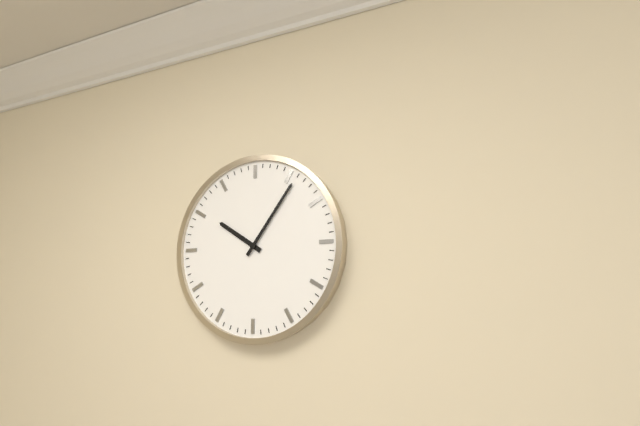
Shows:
10h06
